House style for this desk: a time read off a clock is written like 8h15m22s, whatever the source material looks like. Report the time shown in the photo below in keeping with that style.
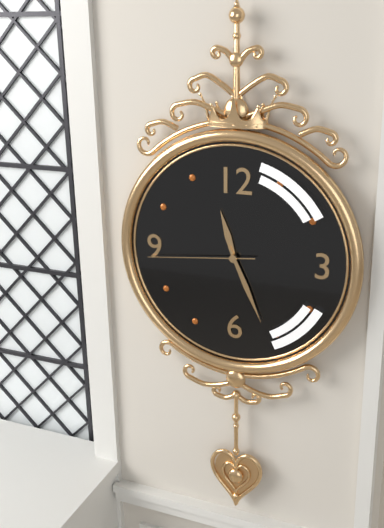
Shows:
11h26m44s
